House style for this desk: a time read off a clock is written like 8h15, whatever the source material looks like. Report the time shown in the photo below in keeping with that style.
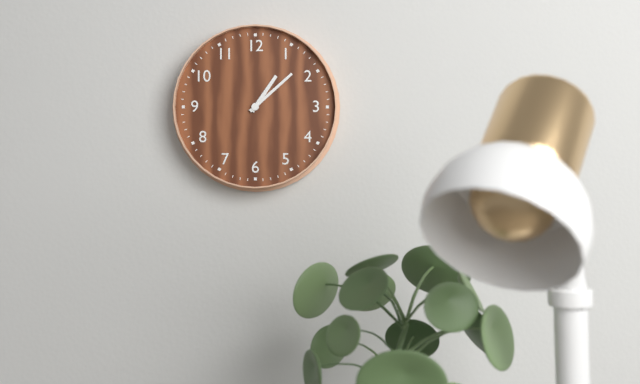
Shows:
1h08
